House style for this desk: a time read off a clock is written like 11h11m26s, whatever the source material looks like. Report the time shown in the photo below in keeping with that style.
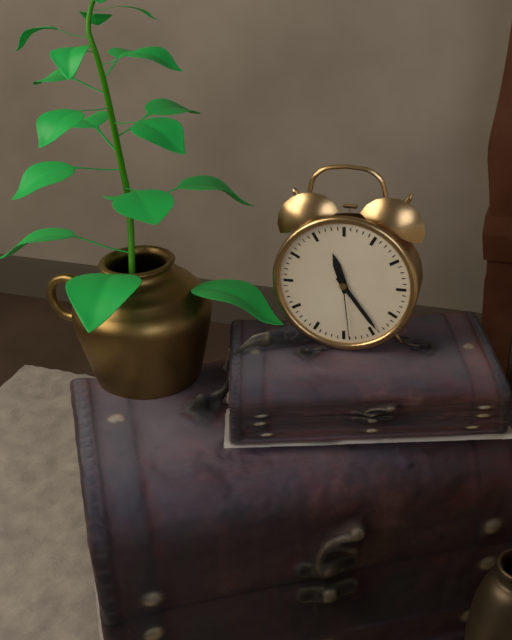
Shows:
11h24m29s
